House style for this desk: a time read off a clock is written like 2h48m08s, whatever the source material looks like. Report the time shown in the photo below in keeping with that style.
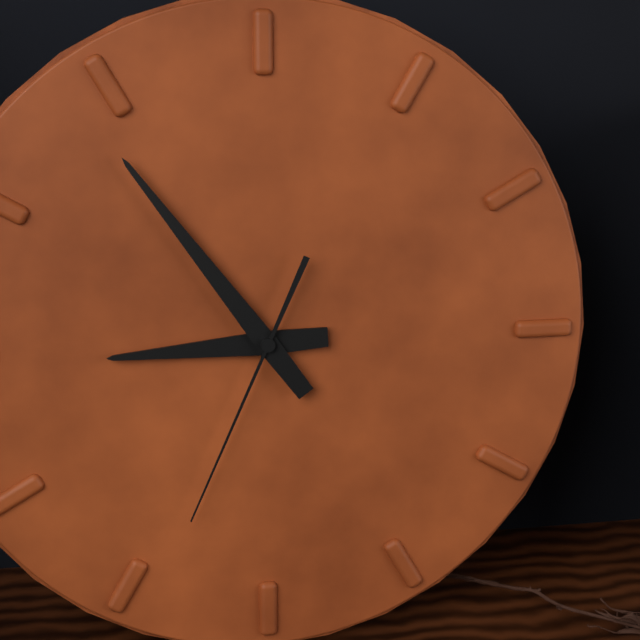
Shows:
8h54m34s
